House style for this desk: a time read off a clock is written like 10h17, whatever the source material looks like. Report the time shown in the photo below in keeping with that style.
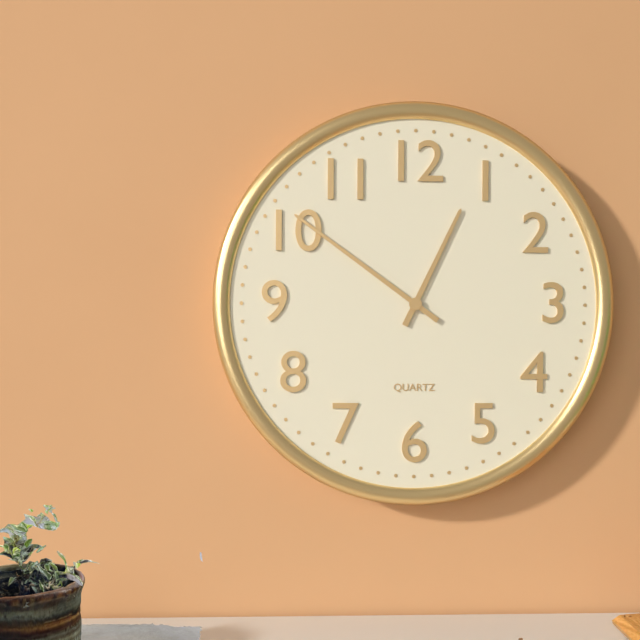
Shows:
12h51
